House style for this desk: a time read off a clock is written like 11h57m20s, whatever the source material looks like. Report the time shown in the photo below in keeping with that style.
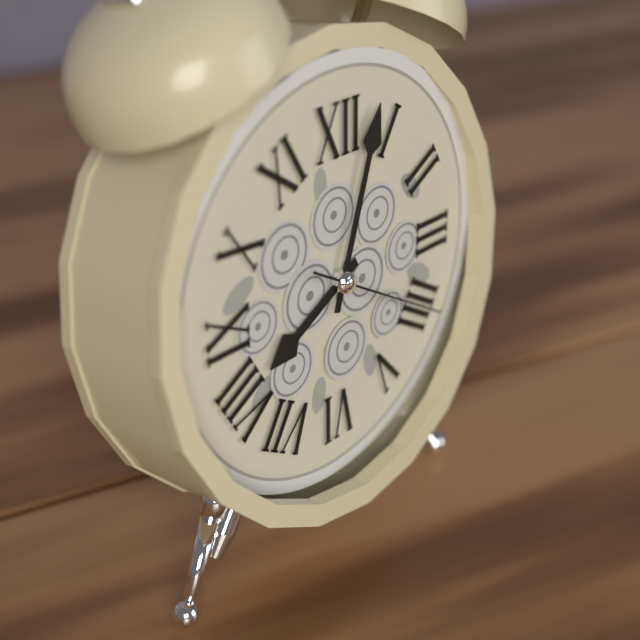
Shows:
8h03m20s
